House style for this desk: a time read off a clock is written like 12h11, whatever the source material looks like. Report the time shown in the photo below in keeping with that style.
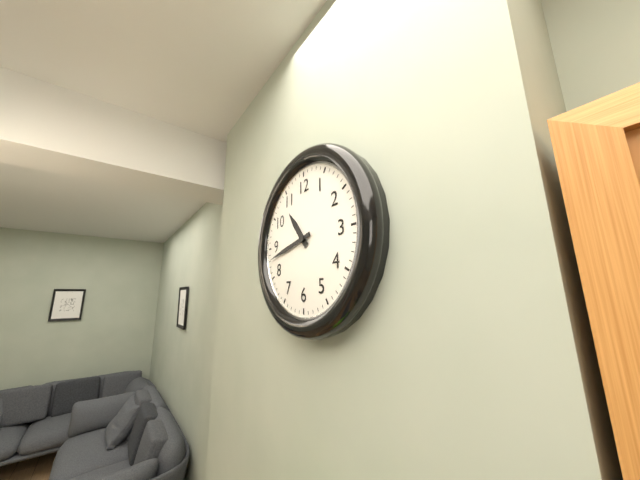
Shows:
10h43
